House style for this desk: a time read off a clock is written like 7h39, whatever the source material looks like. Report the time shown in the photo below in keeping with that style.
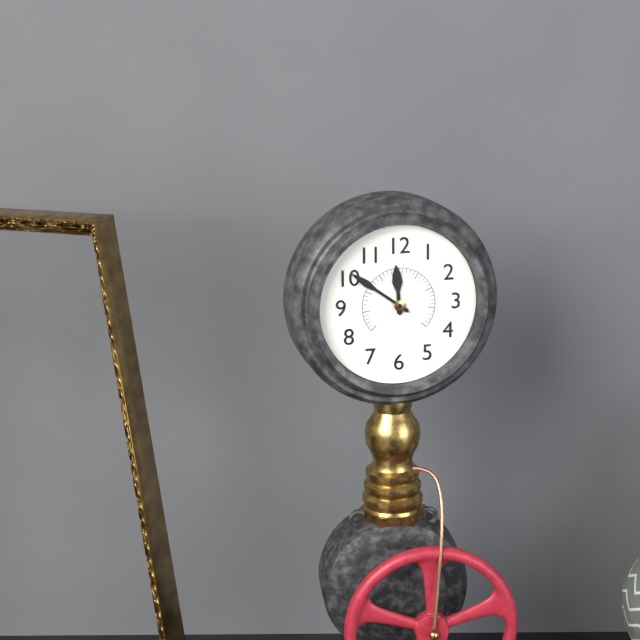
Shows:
11h51
